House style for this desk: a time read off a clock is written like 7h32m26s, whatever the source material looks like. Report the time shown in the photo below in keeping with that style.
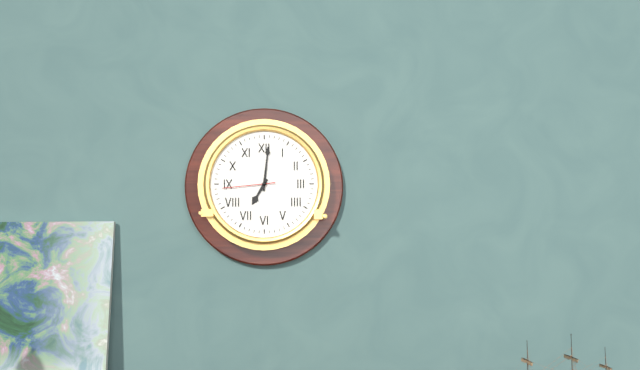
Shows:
7h01m44s
